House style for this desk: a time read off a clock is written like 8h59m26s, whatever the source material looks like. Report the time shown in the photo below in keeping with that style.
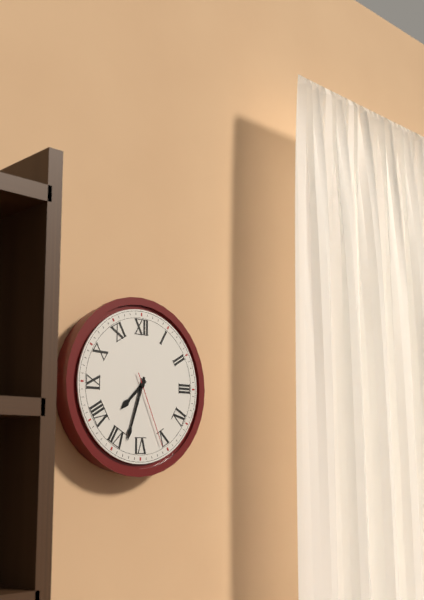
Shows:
7h33m26s
